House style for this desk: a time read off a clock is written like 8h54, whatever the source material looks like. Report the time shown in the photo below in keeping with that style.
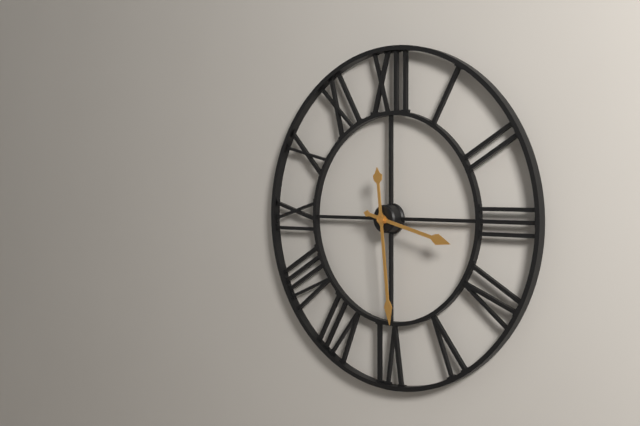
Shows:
3h29
